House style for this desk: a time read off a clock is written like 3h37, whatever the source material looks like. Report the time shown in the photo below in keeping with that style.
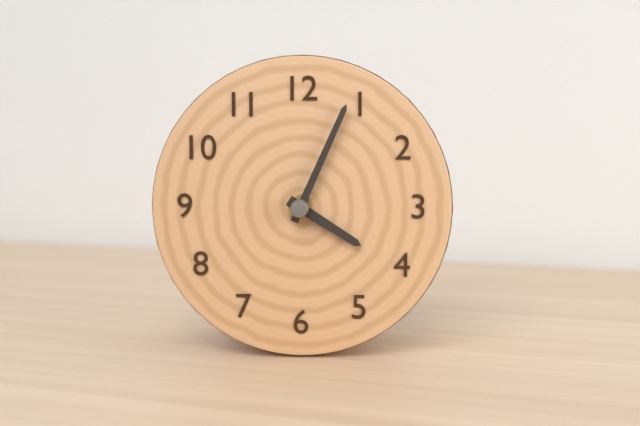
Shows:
4h04
